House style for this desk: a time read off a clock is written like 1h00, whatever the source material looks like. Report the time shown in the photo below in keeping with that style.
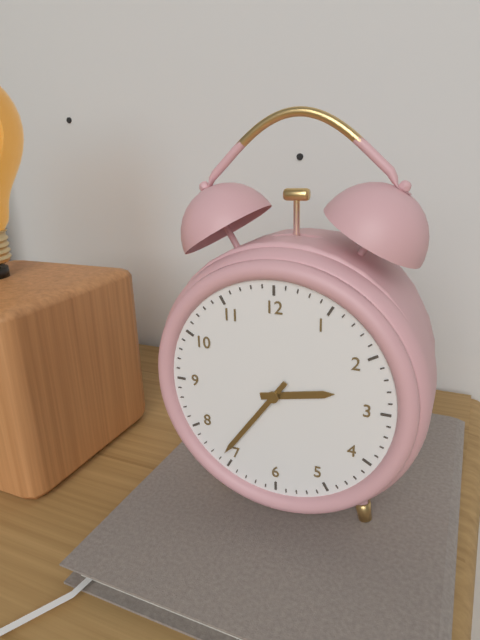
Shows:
2h36
